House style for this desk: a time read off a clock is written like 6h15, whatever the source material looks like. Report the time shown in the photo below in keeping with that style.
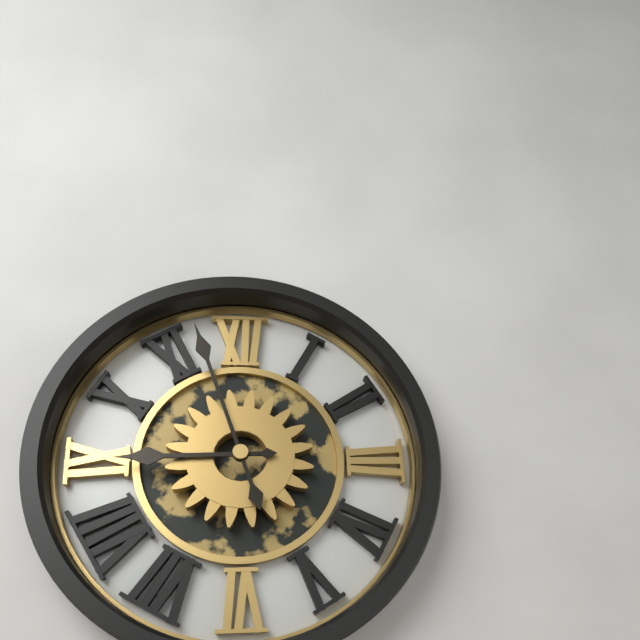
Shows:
8h57
